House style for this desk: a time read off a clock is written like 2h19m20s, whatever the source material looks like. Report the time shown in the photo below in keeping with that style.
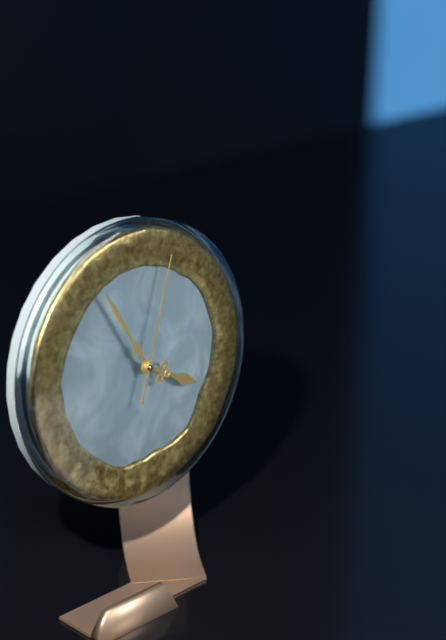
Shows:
3h55m03s
